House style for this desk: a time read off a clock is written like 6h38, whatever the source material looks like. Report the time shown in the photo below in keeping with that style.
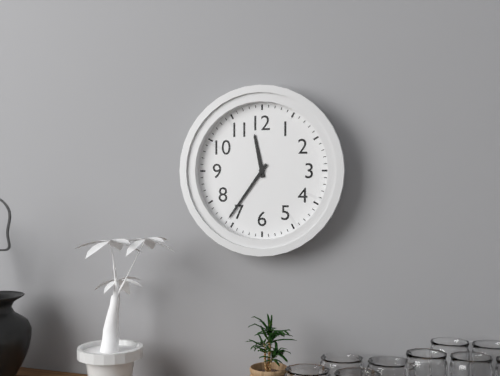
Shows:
11h36
